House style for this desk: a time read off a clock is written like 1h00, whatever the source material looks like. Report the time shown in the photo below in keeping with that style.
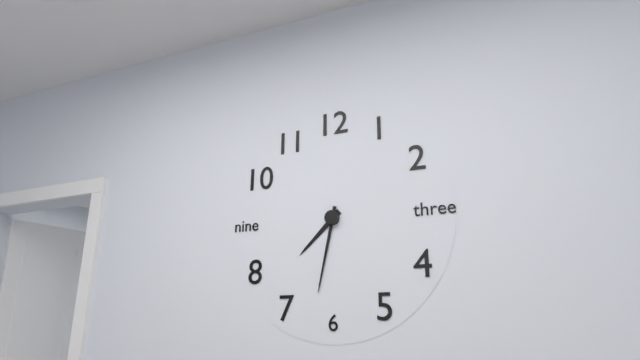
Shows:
7h32
